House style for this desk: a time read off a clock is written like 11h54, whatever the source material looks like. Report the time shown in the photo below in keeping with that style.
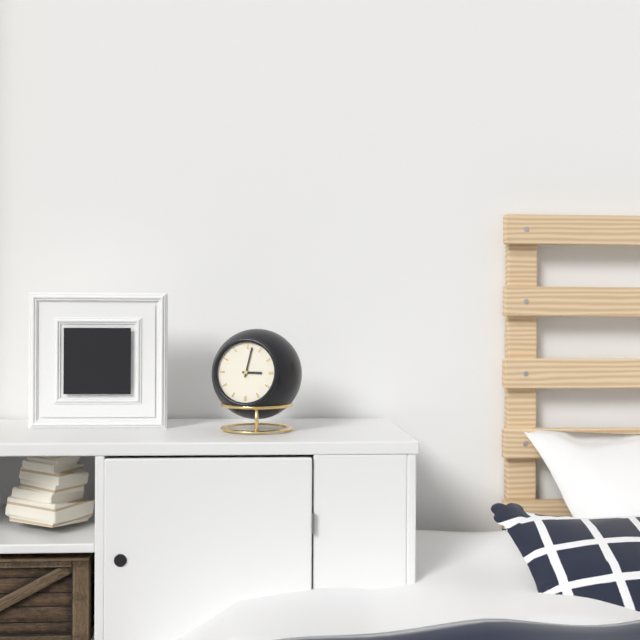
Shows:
3h02
